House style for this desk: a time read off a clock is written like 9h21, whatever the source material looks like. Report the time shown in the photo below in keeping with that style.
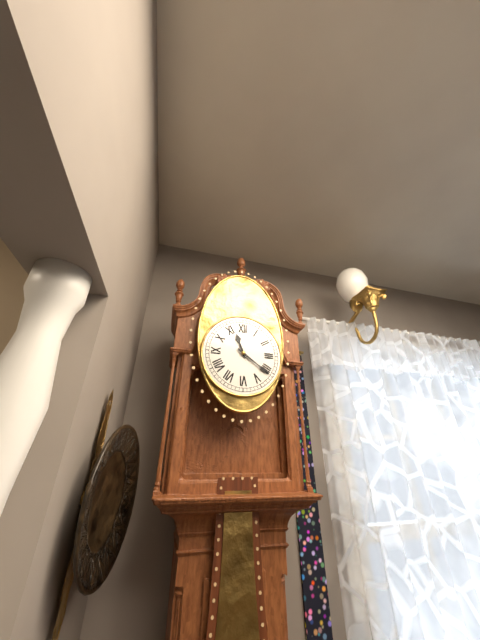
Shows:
11h21
